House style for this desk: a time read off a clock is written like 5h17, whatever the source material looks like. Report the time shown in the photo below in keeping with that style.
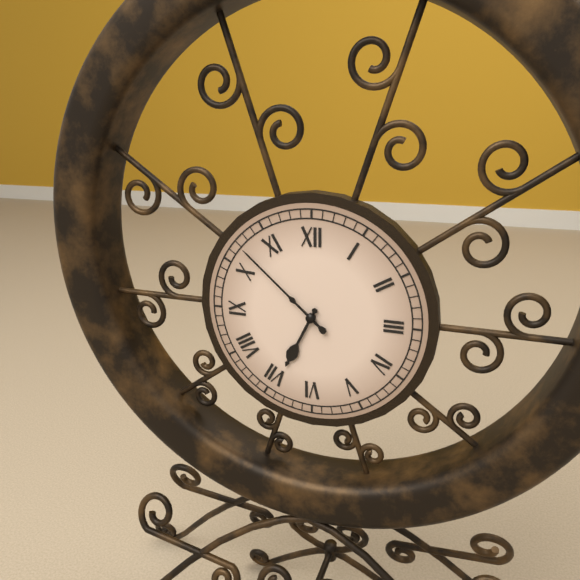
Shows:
6h52
